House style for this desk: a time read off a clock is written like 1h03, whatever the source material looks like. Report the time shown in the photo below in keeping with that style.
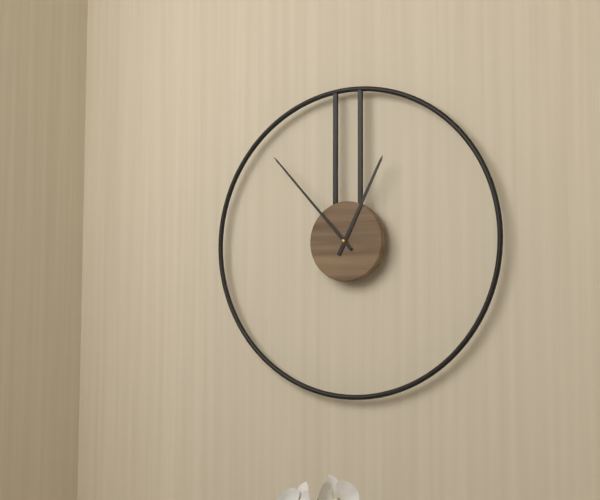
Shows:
12h53
